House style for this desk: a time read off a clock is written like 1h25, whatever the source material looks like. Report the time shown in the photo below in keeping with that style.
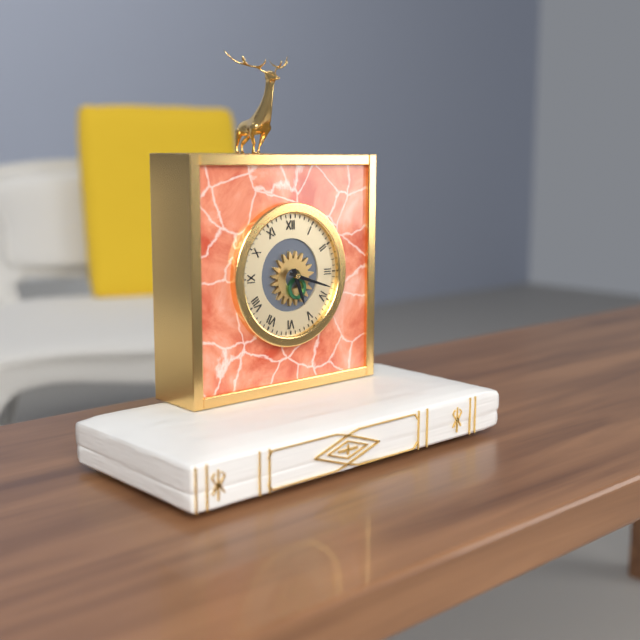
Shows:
5h18
